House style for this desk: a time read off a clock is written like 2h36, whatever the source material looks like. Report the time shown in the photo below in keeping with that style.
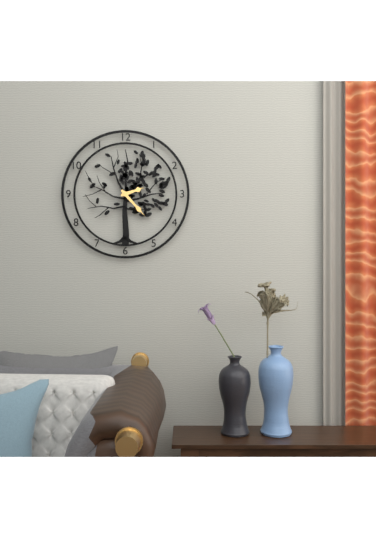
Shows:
2h23
